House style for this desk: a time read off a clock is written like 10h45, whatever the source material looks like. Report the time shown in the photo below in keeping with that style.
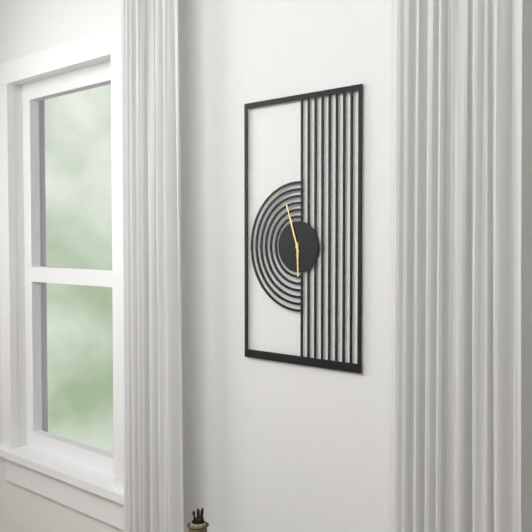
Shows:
5h57
